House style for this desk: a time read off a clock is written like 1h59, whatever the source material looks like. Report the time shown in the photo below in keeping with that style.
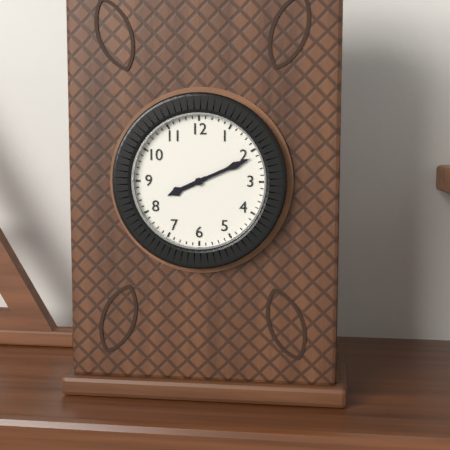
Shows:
8h11
